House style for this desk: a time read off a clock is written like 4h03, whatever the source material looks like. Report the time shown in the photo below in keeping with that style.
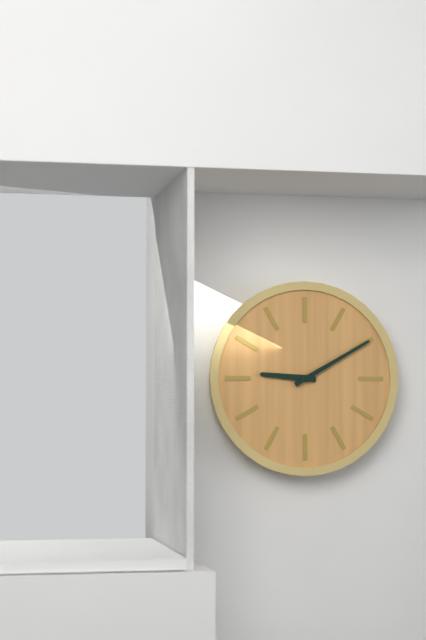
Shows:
9h10
